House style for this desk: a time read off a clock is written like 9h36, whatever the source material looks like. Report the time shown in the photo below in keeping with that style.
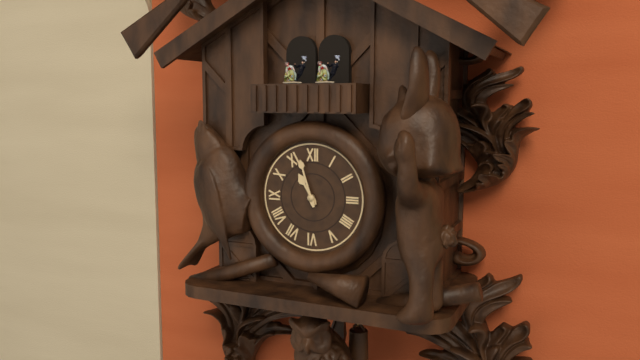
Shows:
10h57
